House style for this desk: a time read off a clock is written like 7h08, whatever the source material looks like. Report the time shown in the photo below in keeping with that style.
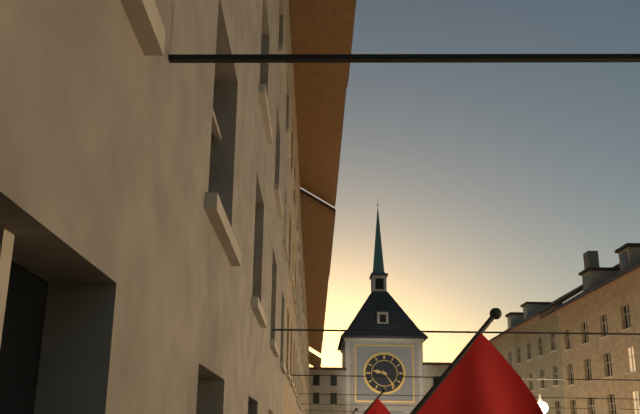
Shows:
9h24
